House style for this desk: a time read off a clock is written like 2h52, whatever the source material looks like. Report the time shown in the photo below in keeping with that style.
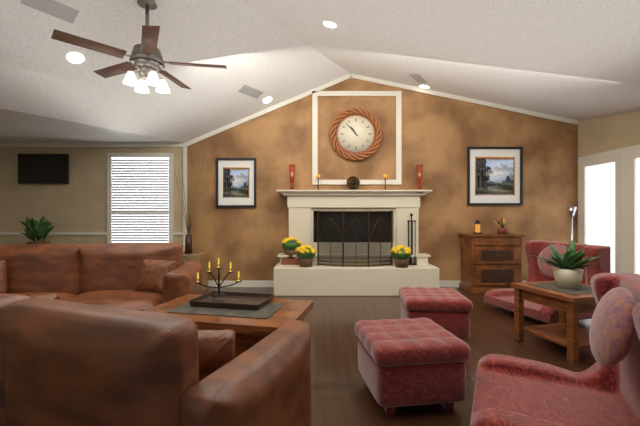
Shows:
10h53
